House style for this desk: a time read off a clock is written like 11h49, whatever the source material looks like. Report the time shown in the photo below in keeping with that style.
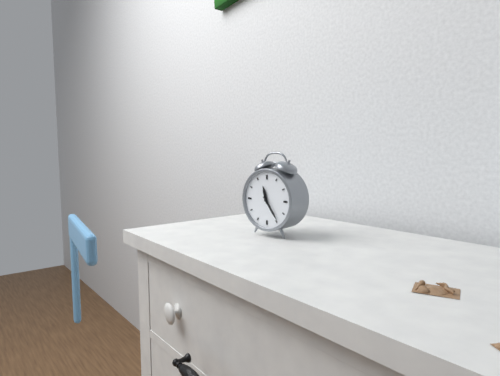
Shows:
11h24
